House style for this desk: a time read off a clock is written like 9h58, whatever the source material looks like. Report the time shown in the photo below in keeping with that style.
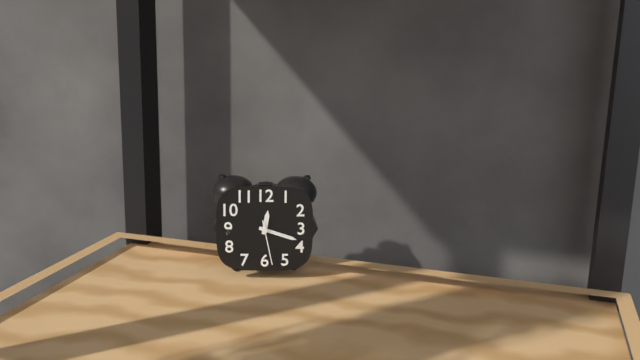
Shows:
12h18
